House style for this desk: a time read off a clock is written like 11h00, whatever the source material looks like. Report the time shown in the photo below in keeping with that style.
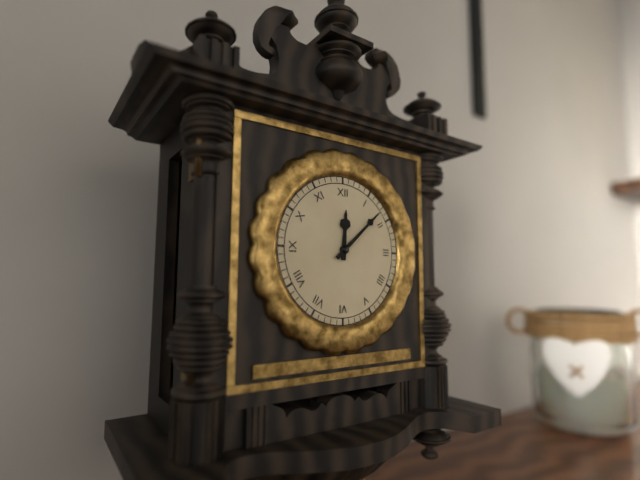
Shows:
12h08
